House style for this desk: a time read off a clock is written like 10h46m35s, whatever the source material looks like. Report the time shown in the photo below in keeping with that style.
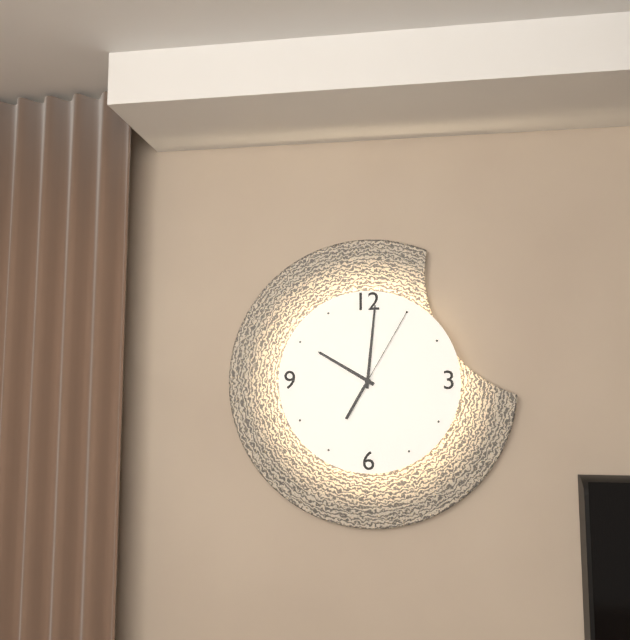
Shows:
10h01m05s
